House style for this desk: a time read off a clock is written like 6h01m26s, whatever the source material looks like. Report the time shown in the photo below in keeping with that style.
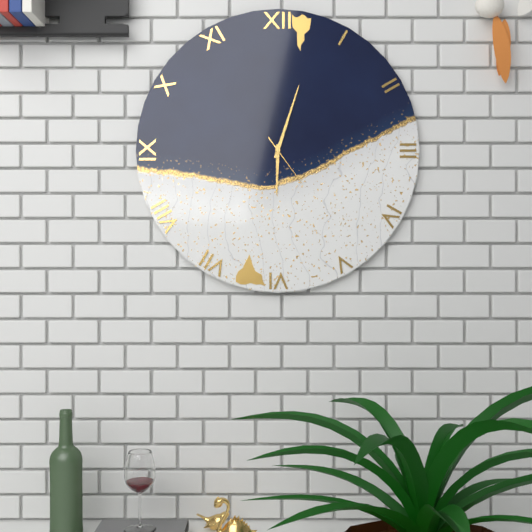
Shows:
6h03m24s
